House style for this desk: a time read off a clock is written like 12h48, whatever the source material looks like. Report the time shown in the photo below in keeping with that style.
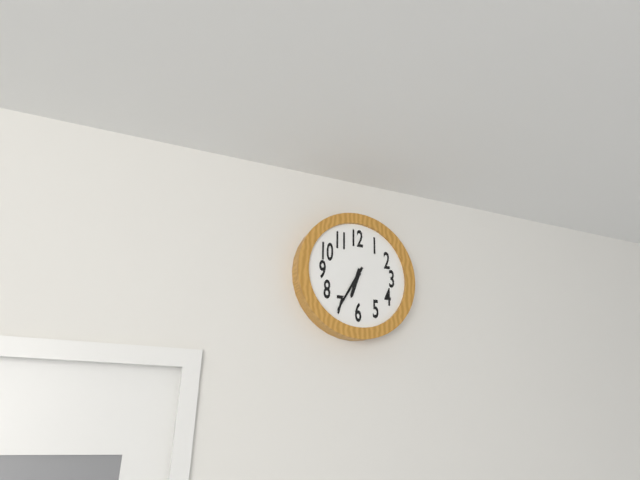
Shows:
6h35
